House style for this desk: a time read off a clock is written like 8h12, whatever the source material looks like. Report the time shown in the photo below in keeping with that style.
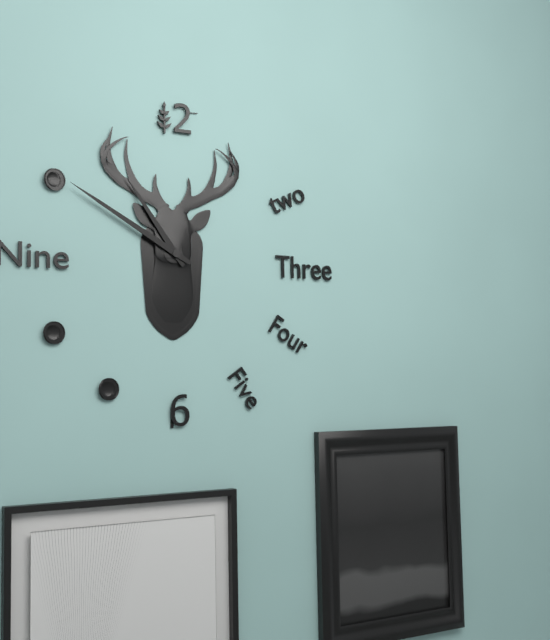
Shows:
10h50
